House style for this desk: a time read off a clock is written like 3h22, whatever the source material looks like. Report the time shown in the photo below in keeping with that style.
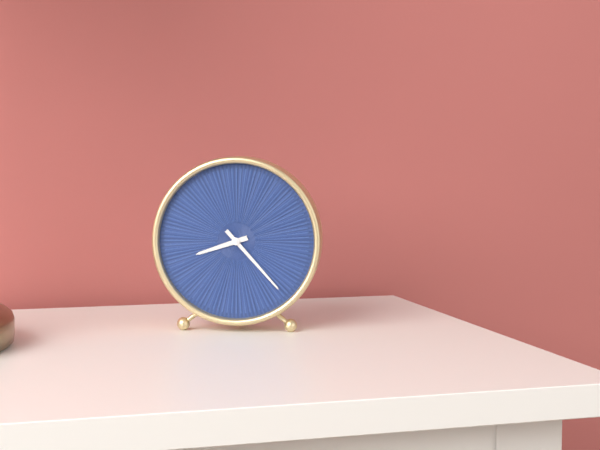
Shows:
8h23
